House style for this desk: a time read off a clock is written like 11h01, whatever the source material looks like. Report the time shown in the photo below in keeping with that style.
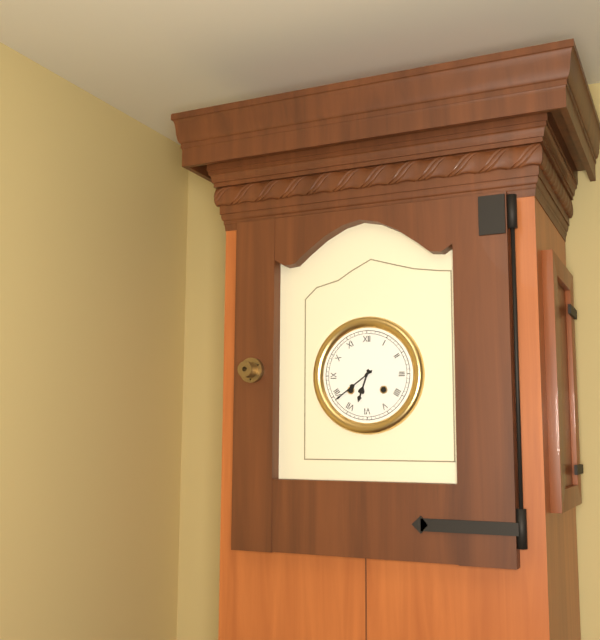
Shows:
6h39
